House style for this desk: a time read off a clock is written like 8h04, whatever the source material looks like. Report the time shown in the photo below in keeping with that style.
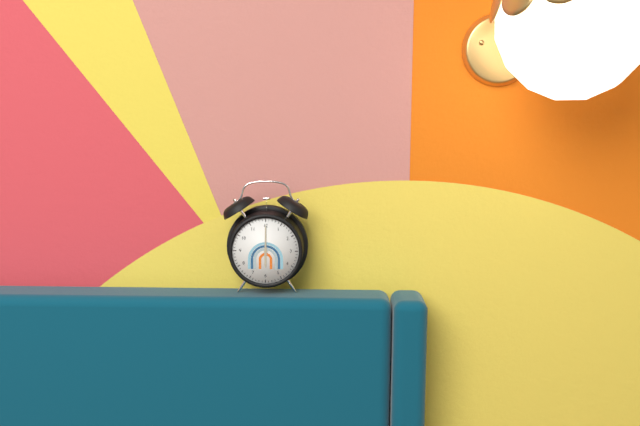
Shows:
6h00
